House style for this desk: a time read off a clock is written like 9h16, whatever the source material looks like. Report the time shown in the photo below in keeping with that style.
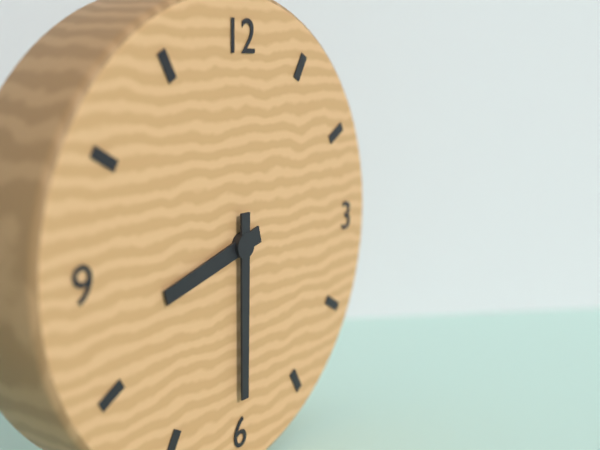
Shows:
8h30
